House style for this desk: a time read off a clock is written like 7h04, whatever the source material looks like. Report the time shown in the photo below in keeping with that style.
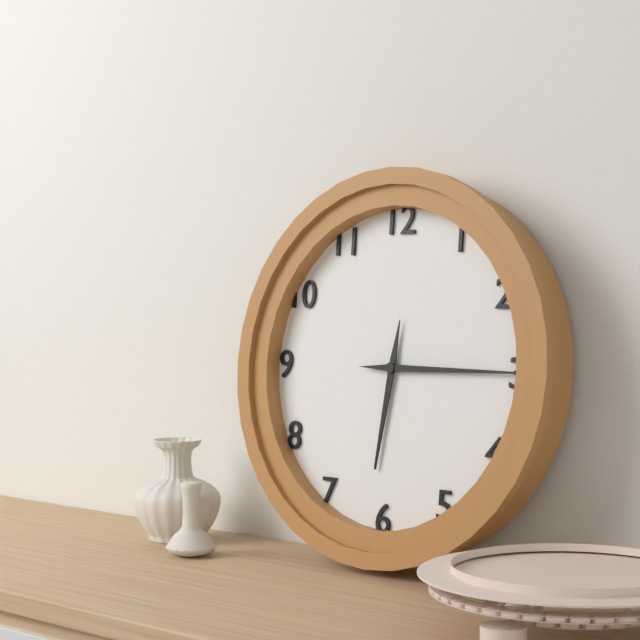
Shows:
6h15
